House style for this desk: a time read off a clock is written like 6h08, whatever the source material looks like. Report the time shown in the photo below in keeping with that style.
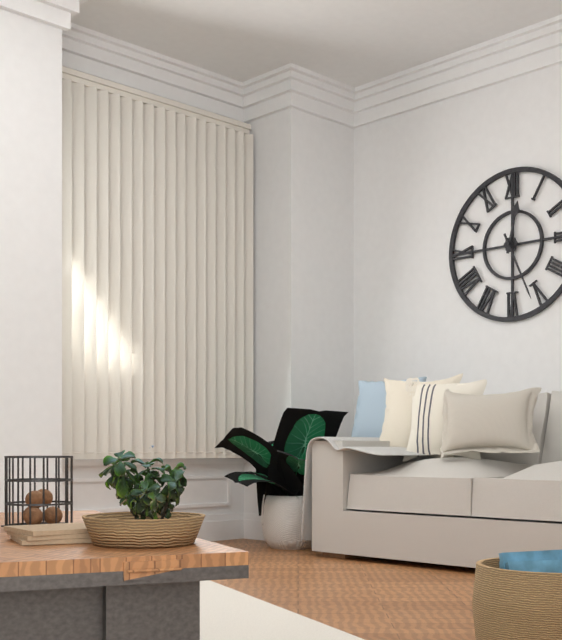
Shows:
12h26
